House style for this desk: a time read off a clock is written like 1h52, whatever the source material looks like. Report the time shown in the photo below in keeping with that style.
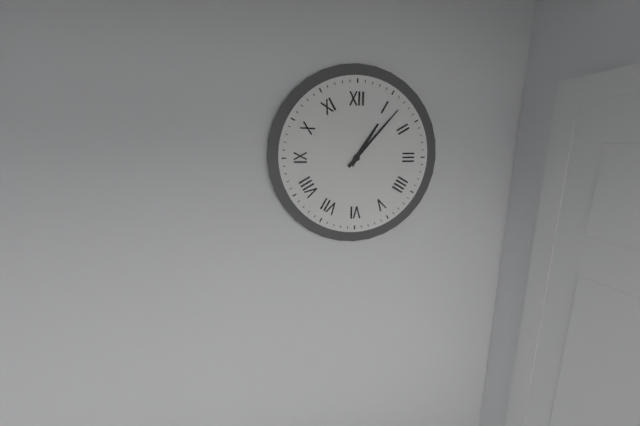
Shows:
1h07
